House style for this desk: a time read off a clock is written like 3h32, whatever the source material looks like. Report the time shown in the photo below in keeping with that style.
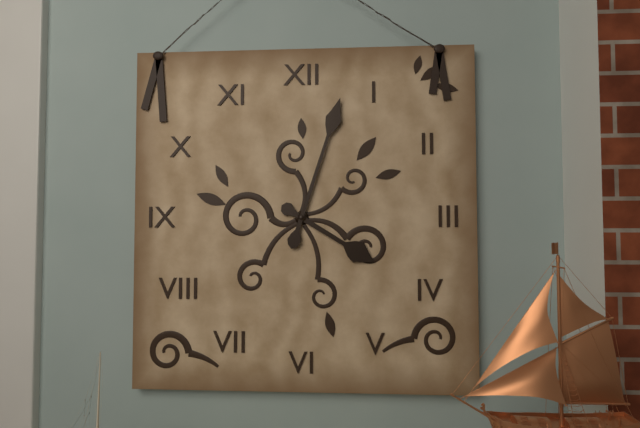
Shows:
4h03
